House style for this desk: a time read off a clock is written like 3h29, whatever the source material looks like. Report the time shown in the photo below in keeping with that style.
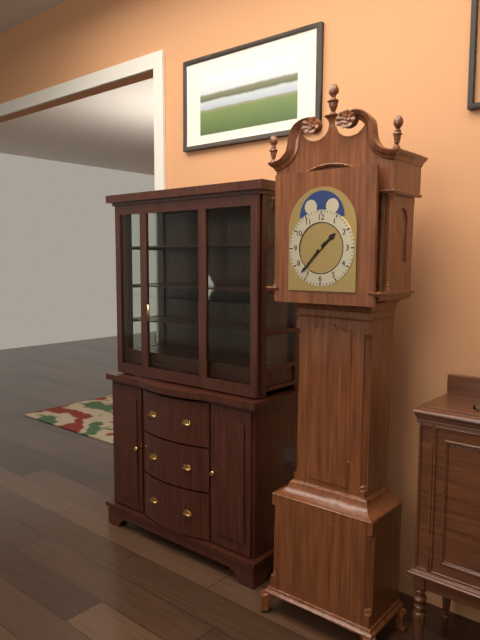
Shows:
1h37
